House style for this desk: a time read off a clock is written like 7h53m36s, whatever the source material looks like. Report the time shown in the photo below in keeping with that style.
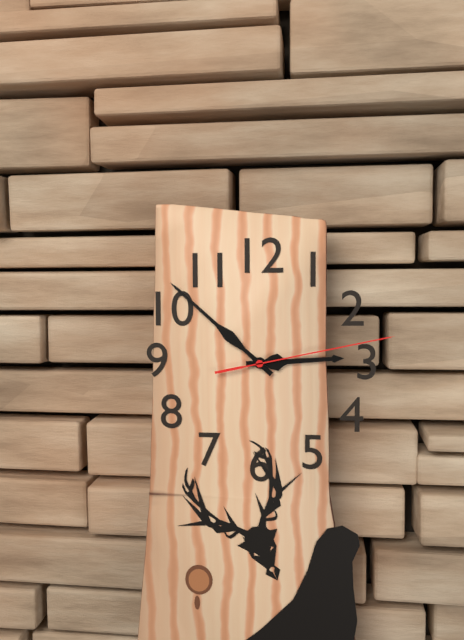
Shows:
2h52m13s
